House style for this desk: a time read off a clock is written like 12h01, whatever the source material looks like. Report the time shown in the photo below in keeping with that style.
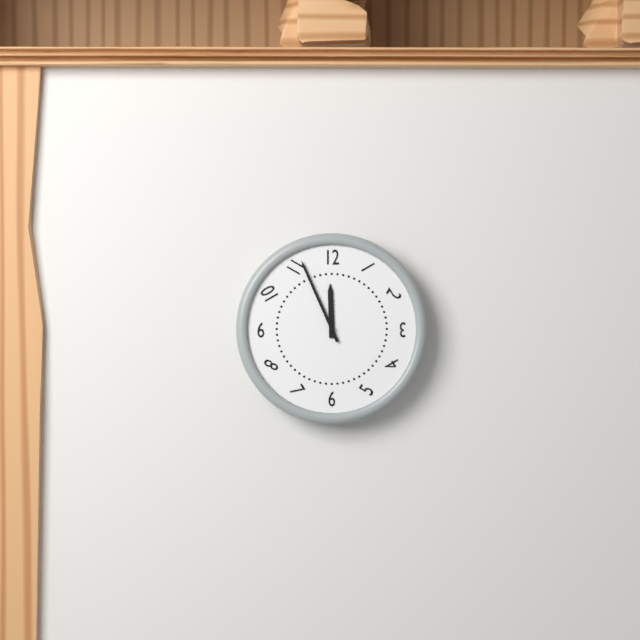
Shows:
11h56
